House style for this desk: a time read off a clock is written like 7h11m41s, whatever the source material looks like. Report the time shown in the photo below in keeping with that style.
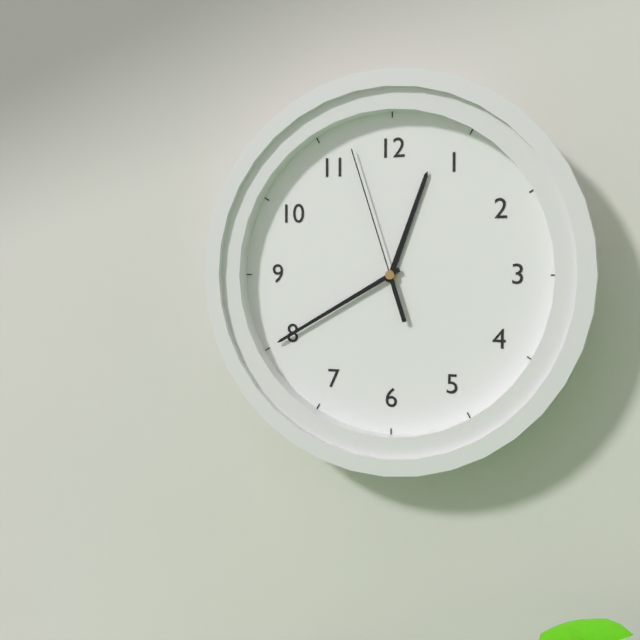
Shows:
12h40m57s
